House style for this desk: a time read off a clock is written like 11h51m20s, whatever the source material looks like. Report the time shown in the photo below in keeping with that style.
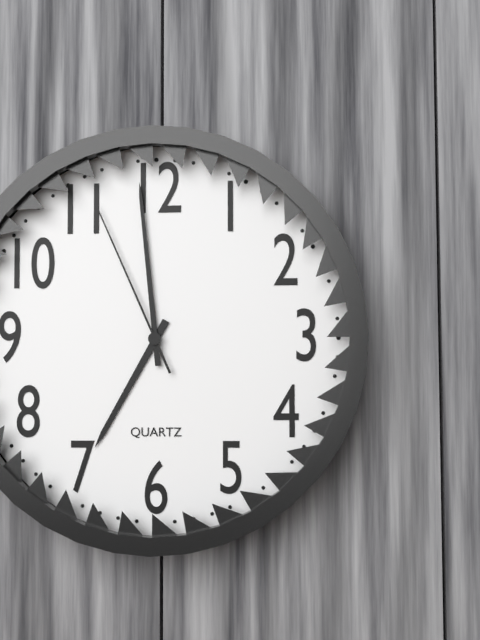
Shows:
6h59m56s
